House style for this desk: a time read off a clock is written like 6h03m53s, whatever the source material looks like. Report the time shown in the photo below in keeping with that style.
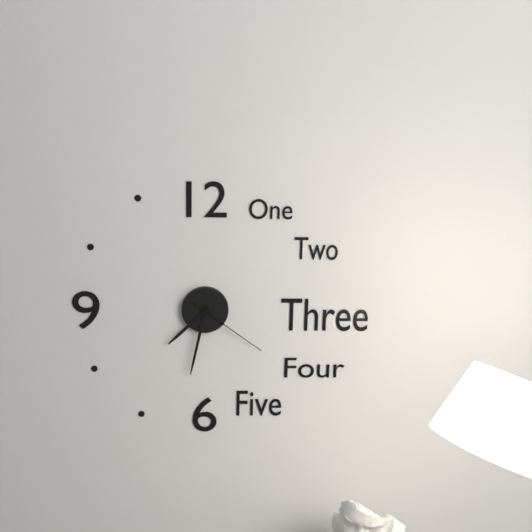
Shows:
7h32m21s
